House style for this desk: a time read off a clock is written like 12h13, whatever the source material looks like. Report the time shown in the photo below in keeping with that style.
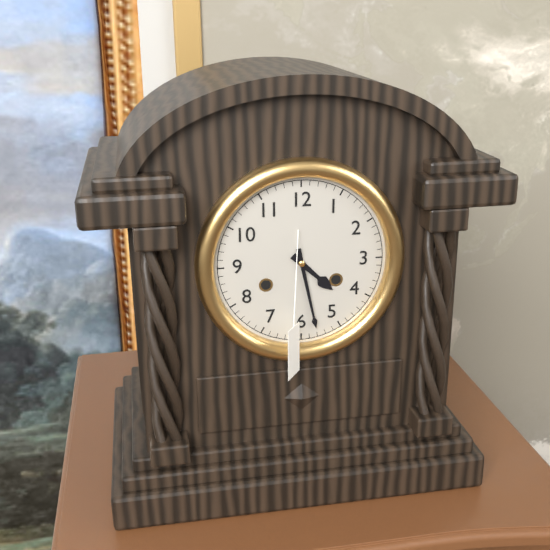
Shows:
4h28
